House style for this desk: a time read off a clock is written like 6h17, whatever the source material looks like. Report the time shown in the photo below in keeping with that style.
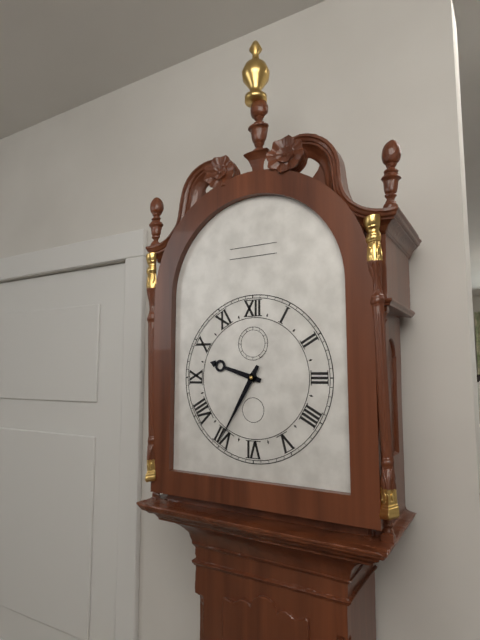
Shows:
9h35
